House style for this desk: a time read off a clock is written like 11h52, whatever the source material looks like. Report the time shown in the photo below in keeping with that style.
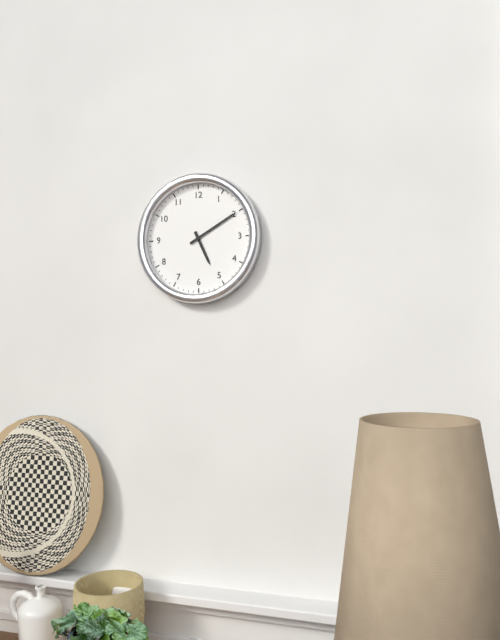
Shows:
5h10
